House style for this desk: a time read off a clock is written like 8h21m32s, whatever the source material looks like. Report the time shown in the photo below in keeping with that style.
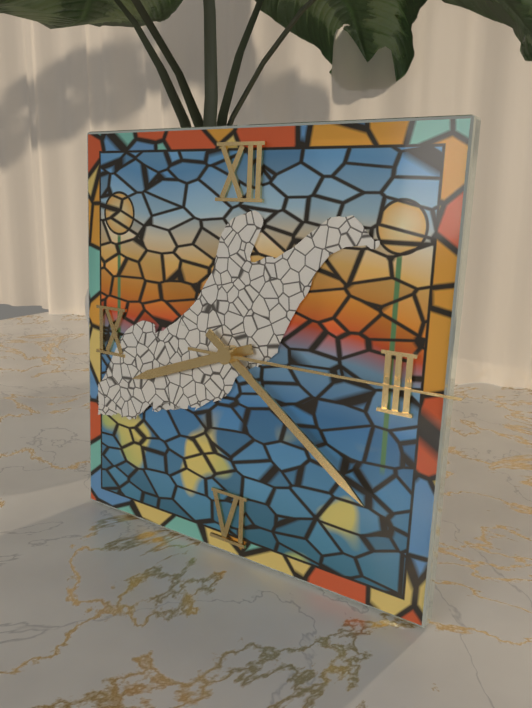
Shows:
8h21m15s
